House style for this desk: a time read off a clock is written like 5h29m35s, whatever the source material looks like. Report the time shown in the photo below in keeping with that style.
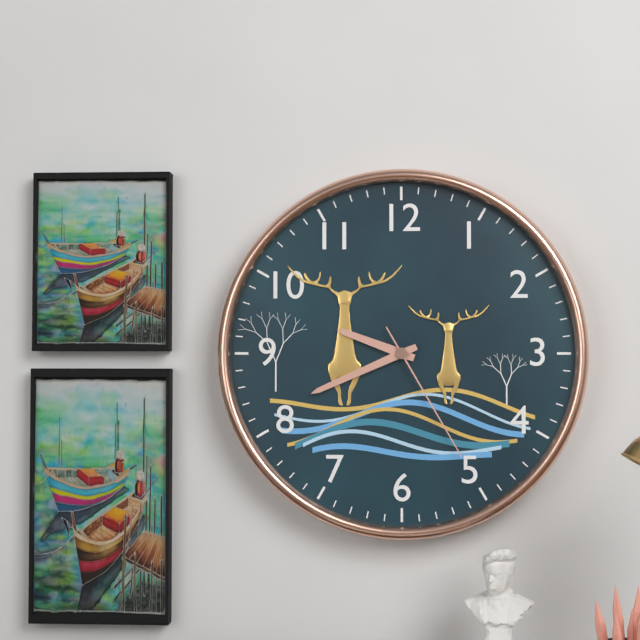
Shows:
9h41m25s
